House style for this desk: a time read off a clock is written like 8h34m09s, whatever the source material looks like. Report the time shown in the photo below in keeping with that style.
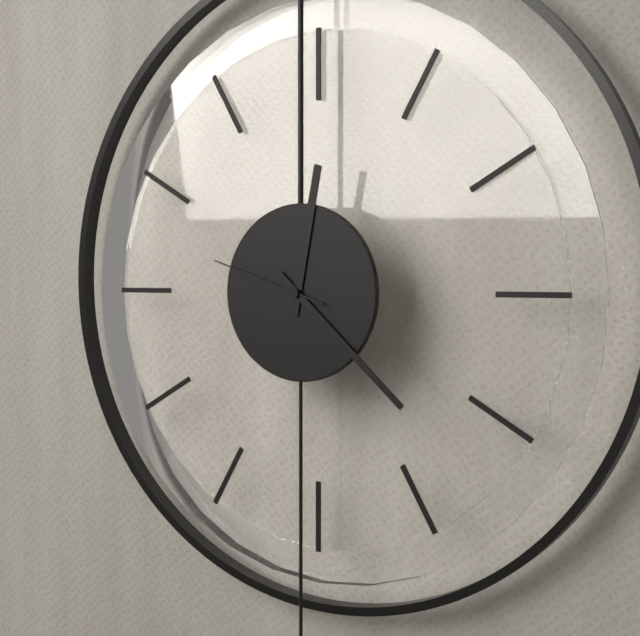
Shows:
12h22m48s
